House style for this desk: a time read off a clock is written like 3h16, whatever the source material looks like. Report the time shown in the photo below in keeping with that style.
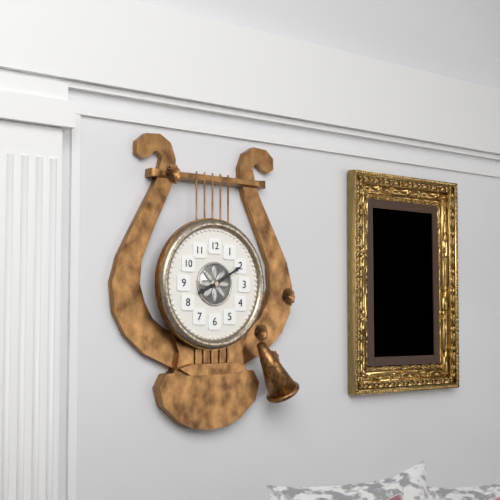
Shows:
8h10
